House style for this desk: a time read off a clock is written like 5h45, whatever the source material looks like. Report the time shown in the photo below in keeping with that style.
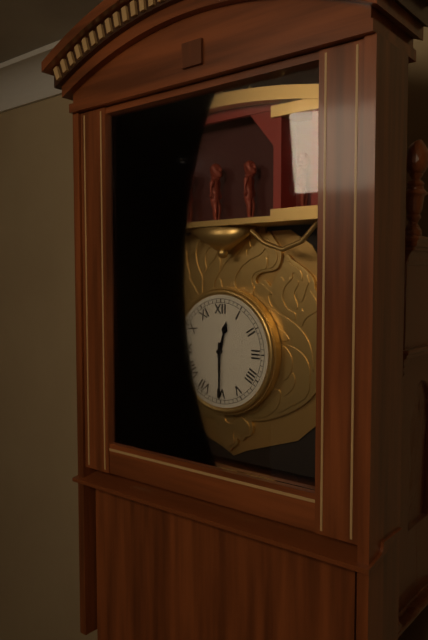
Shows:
12h30
